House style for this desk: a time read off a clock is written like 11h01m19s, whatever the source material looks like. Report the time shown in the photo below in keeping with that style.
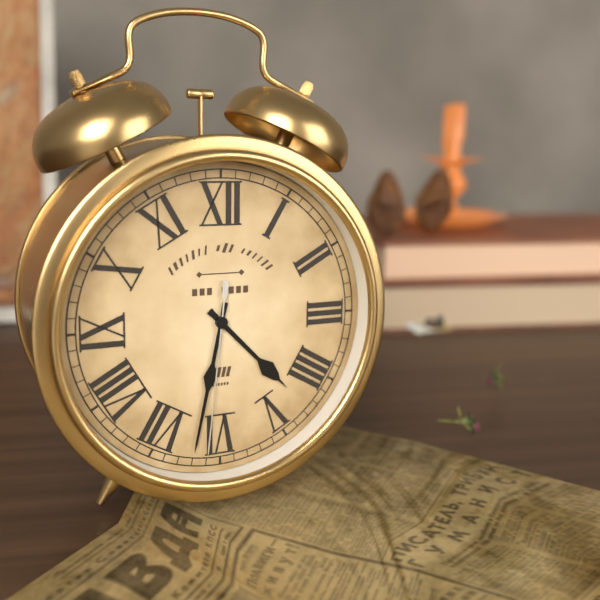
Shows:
4h32m31s
